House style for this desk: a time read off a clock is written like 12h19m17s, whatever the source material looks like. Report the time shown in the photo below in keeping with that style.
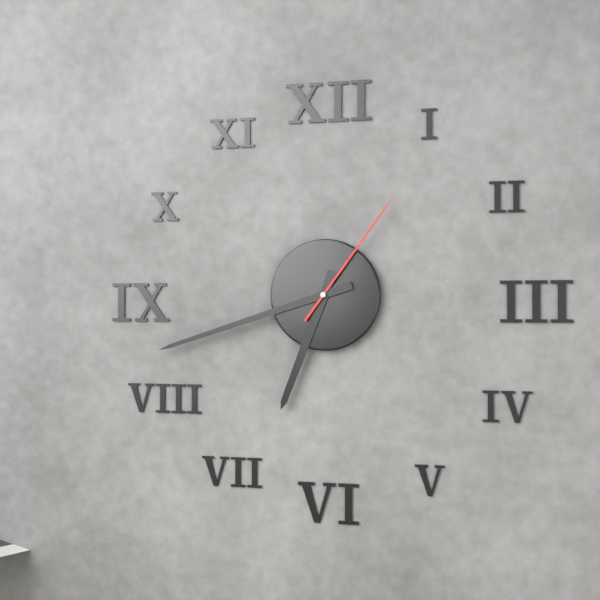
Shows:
6h42m06s
